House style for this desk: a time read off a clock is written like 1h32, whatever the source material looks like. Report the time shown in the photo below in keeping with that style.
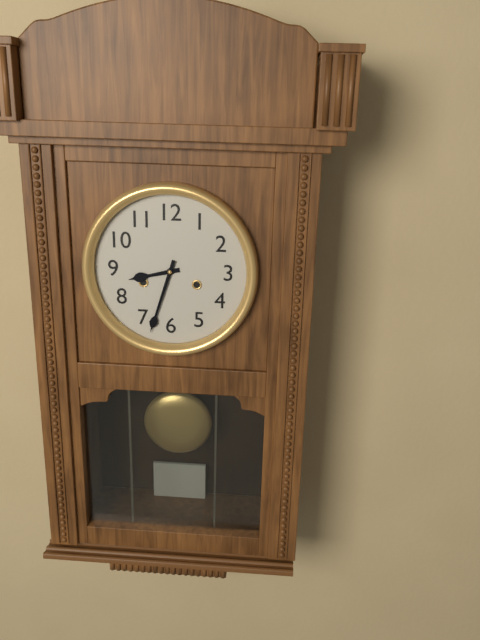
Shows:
8h33
